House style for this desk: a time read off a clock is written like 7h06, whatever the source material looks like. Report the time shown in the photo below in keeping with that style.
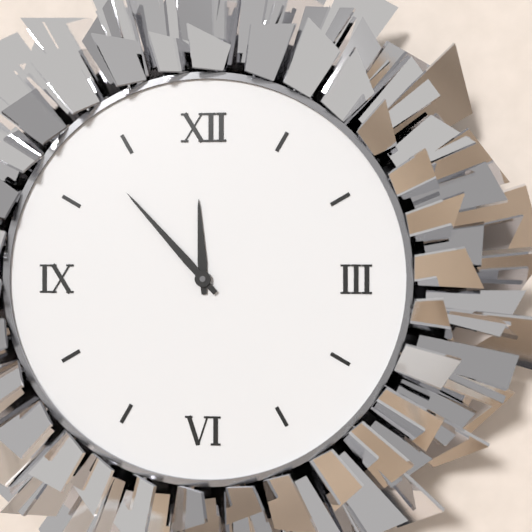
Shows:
11h53
